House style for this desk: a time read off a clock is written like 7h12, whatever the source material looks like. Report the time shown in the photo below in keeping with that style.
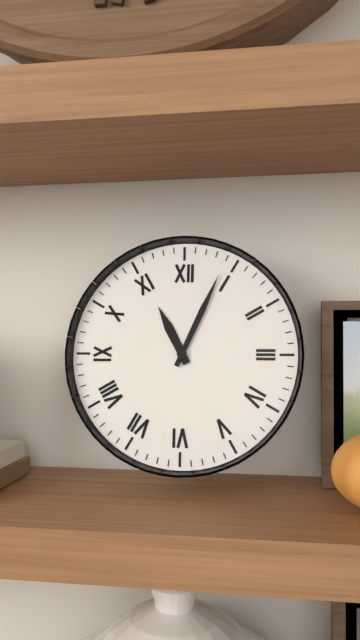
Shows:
11h04
